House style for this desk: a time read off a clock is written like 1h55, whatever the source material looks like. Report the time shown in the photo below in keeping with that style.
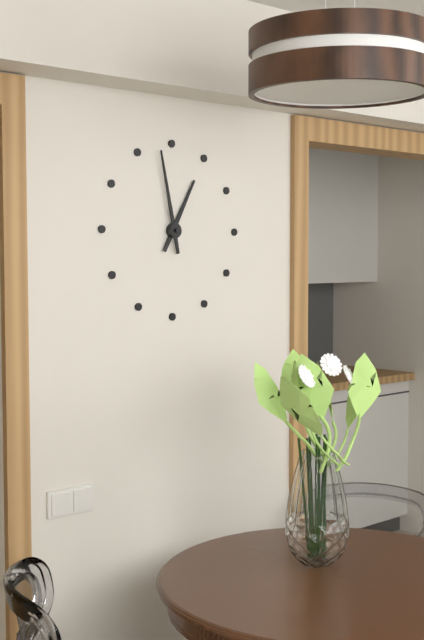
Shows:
12h58
